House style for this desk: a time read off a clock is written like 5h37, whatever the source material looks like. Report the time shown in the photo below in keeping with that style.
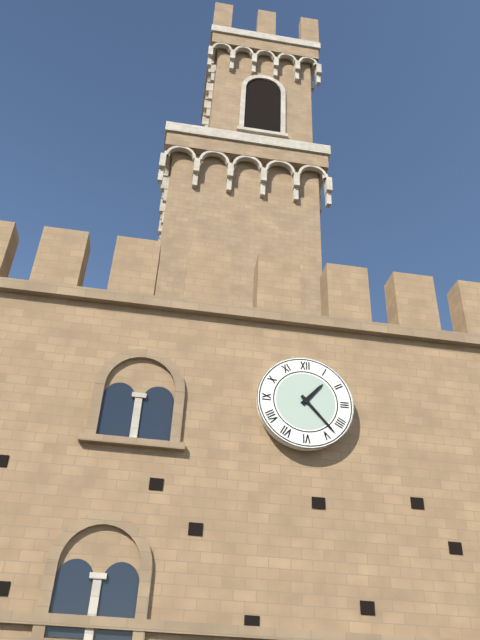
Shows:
1h23
